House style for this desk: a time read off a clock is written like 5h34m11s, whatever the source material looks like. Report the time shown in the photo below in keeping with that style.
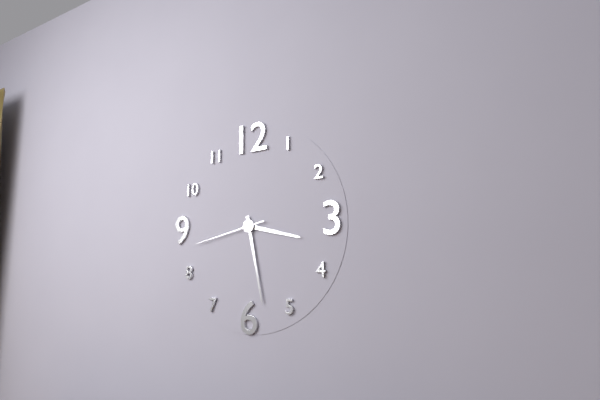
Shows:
3h28m43s
